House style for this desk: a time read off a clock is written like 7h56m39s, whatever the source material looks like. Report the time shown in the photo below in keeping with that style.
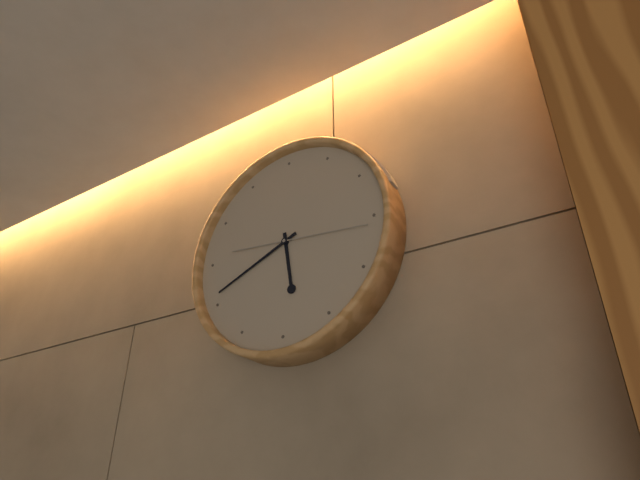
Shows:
5h41m16s
